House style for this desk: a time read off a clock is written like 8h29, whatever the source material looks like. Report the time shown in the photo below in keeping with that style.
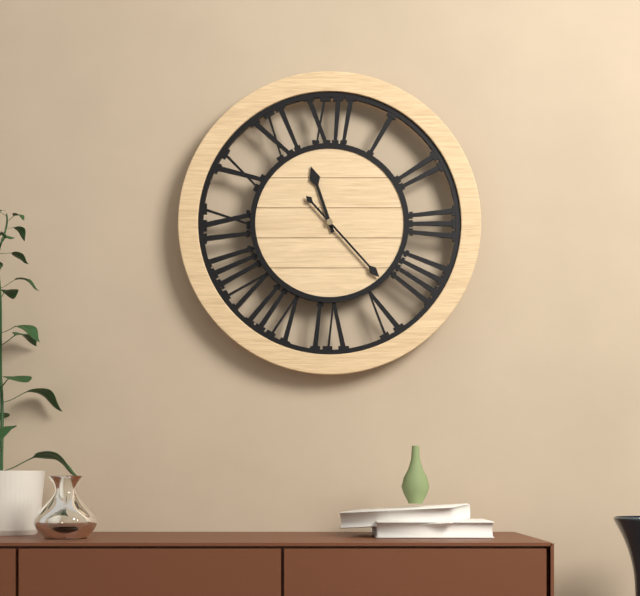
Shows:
11h23
